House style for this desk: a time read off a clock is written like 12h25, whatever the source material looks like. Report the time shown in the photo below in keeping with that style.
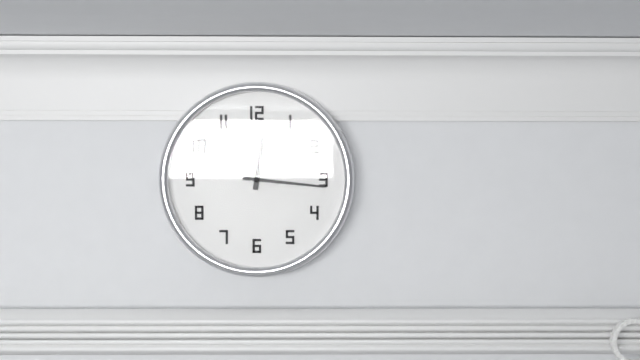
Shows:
12h16
